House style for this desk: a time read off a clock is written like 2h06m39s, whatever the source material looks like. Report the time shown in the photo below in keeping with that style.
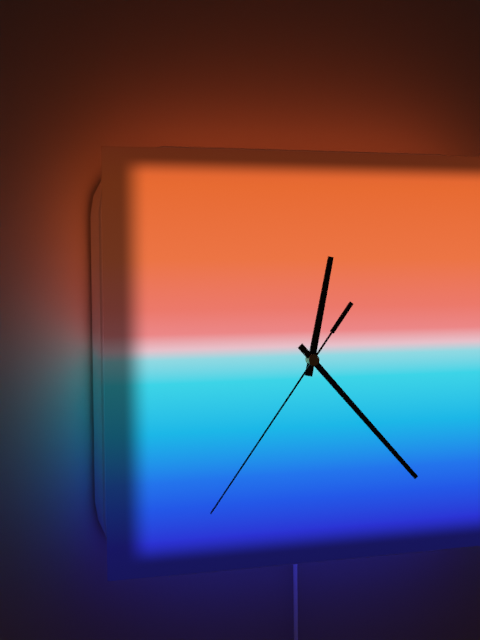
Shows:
12h23m36s
